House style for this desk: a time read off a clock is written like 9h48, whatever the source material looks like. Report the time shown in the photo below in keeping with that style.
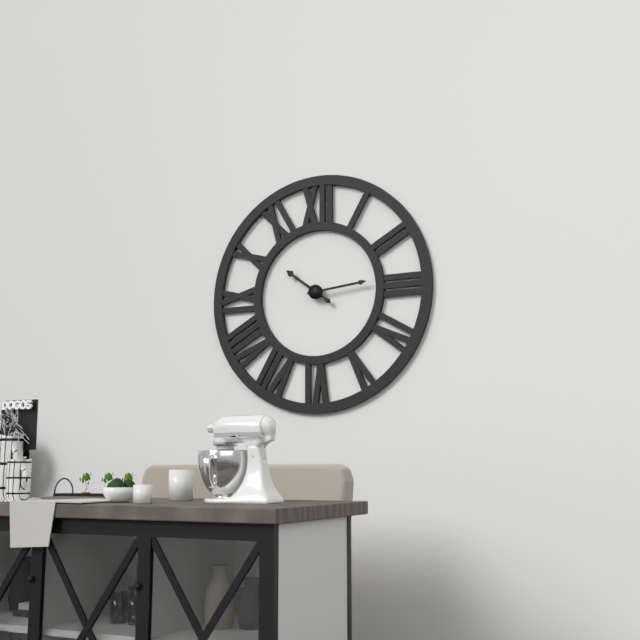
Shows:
10h14
